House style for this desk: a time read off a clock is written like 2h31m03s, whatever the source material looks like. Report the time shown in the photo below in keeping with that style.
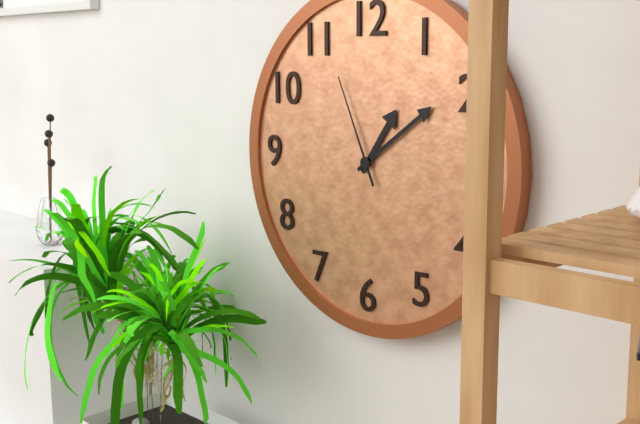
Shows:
1h09m56s
